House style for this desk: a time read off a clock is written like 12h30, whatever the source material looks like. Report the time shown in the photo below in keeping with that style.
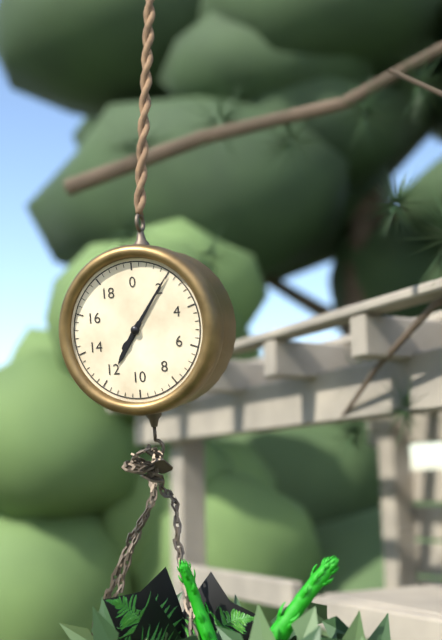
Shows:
7h06
